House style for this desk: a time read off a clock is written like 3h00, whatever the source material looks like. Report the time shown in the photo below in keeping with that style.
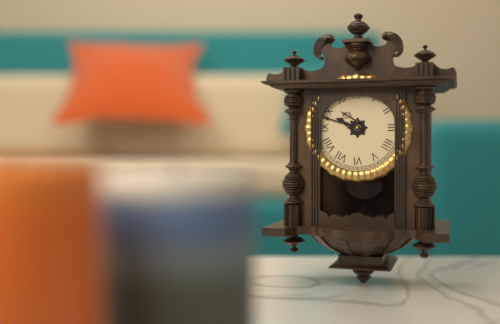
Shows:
9h48
